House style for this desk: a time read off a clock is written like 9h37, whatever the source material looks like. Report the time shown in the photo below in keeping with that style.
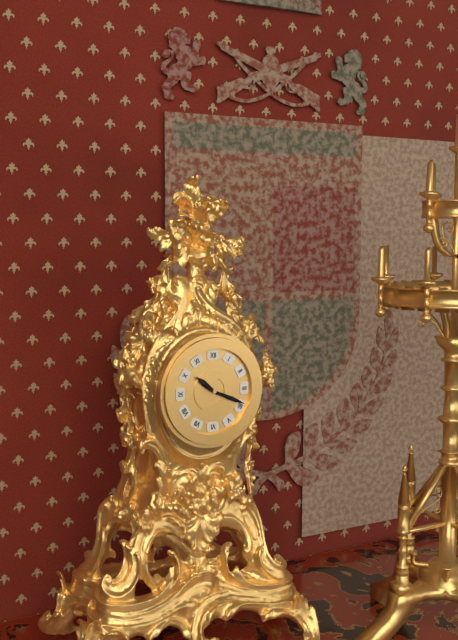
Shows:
10h19
